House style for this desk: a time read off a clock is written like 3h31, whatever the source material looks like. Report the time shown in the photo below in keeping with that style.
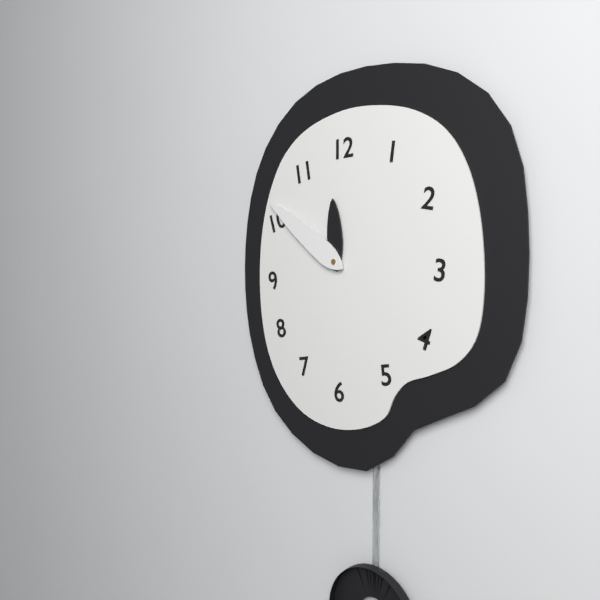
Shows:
11h51
